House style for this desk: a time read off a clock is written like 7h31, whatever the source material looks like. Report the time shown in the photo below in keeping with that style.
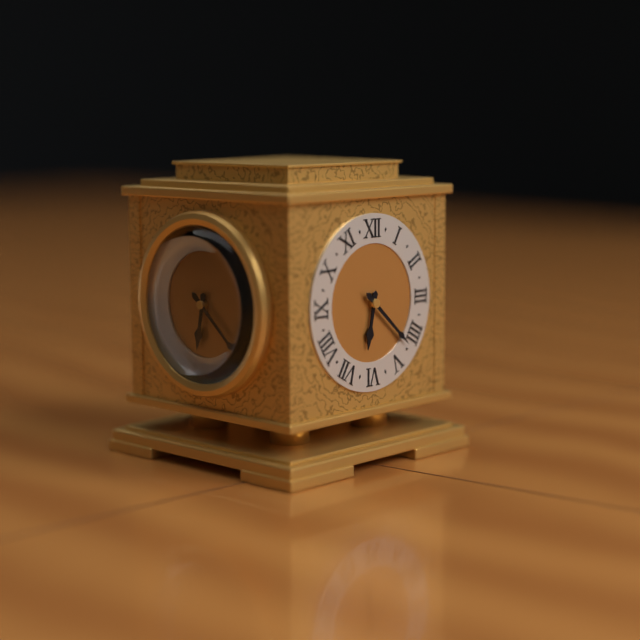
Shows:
6h22
